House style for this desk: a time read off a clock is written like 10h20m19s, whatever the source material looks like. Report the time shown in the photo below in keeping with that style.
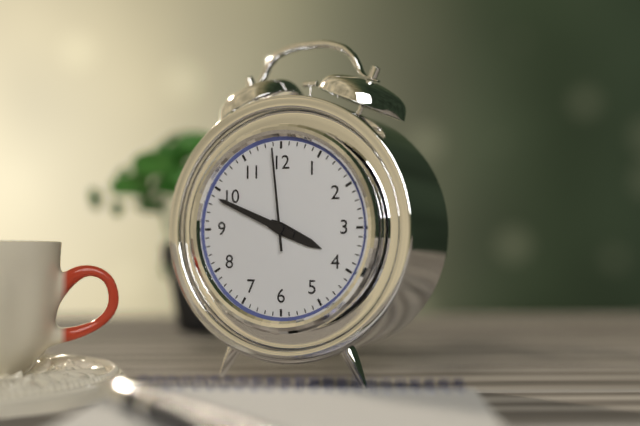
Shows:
3h49m59s
